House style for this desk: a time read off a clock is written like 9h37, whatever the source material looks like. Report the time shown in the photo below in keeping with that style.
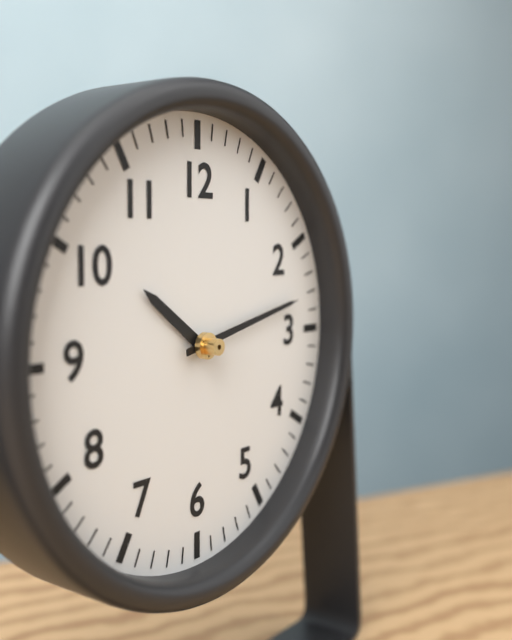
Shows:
10h13
